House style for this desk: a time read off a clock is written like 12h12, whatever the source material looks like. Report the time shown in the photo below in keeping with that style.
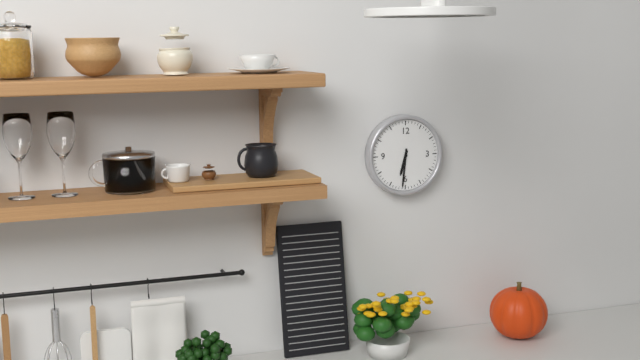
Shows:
6h31
